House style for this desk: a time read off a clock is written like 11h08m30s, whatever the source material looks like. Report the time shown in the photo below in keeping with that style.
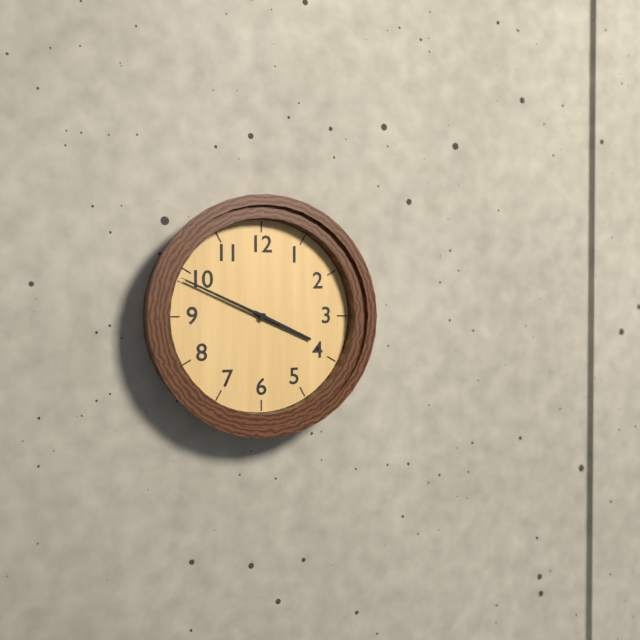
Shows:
3h49m49s
